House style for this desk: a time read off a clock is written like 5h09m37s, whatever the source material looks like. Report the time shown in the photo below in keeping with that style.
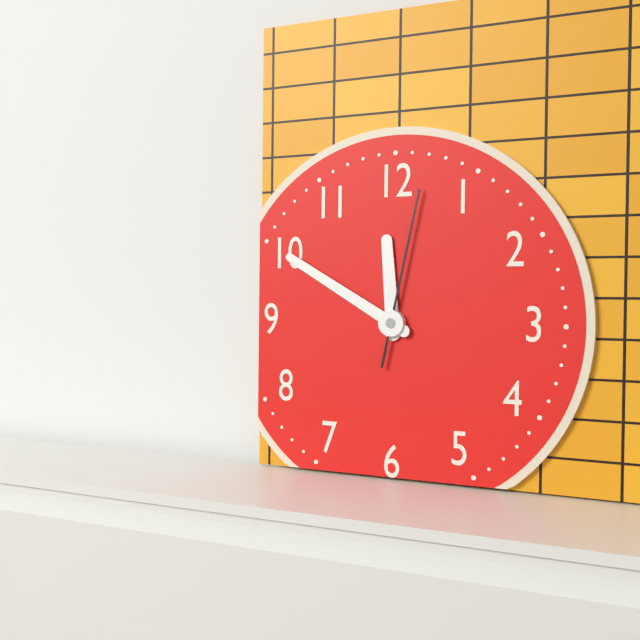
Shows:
11h50m02s
